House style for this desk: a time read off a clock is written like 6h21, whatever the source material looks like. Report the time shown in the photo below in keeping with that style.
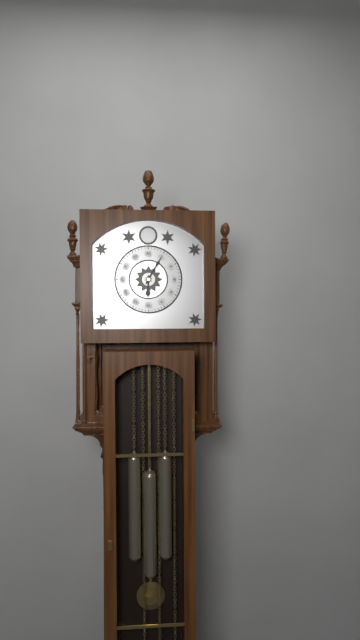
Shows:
6h05
